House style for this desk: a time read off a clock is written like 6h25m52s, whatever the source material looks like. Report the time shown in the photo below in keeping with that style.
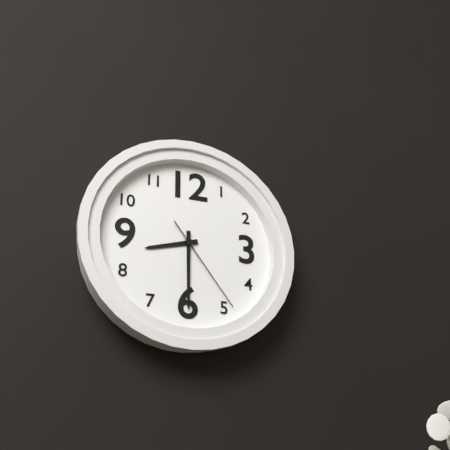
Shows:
8h30m24s
